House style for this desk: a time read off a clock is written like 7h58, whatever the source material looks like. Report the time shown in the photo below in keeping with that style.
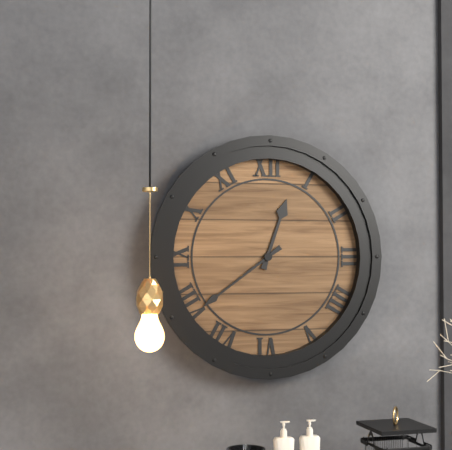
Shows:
12h39
